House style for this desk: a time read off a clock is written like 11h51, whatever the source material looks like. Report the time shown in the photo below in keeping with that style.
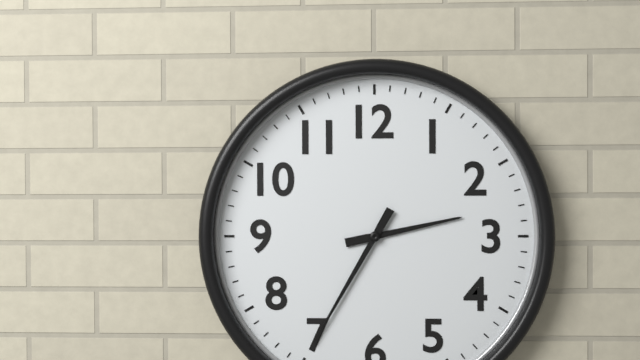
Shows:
2h35
